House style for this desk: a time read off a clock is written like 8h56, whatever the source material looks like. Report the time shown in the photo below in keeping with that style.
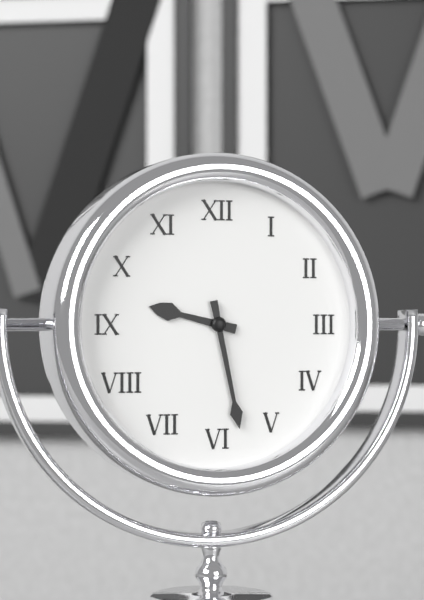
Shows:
9h28
